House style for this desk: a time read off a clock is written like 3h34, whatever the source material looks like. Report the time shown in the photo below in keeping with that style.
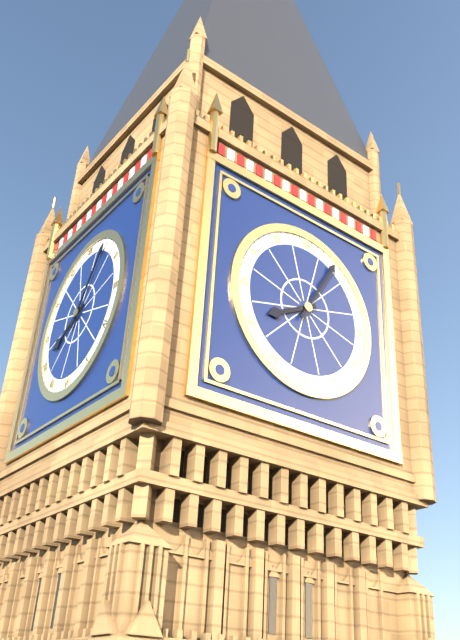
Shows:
8h05
